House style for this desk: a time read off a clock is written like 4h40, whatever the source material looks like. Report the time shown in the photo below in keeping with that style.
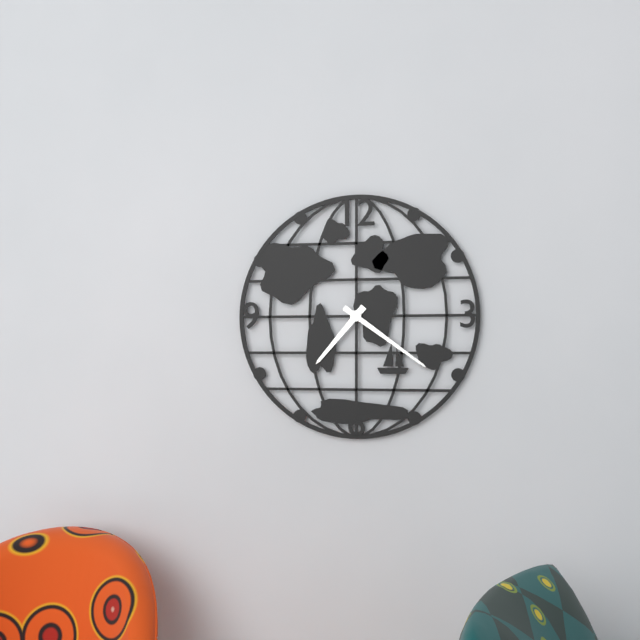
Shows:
7h21
